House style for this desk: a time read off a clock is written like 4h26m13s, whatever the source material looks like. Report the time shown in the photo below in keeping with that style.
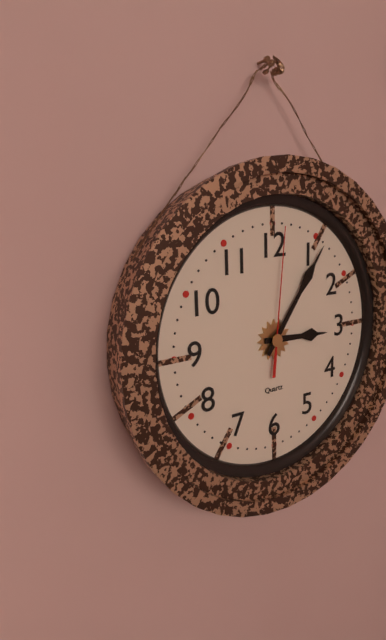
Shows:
3h06m01s
